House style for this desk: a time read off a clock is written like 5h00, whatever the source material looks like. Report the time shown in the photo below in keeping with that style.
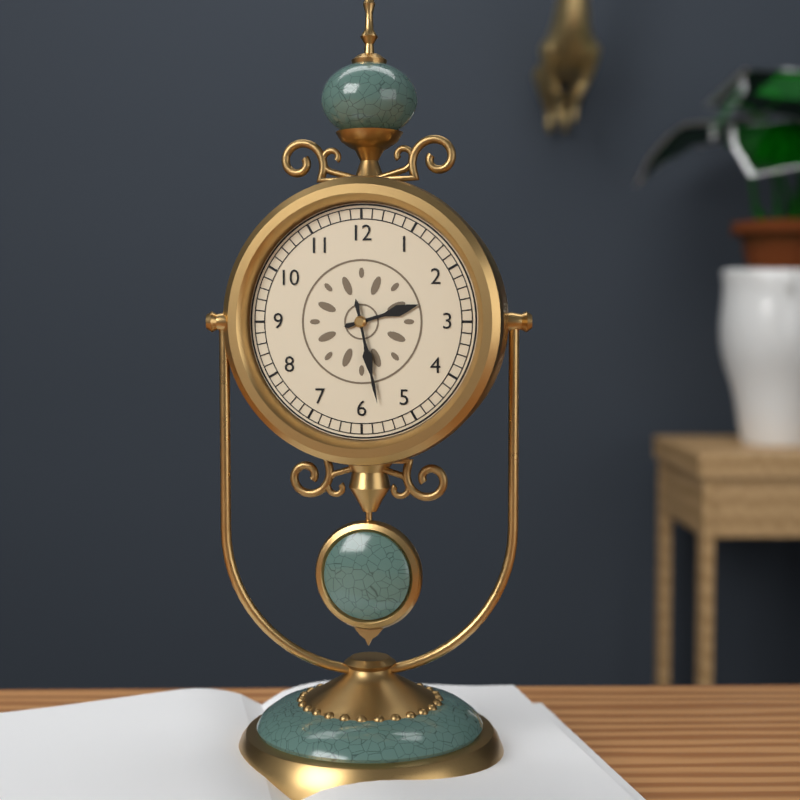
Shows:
2h28
